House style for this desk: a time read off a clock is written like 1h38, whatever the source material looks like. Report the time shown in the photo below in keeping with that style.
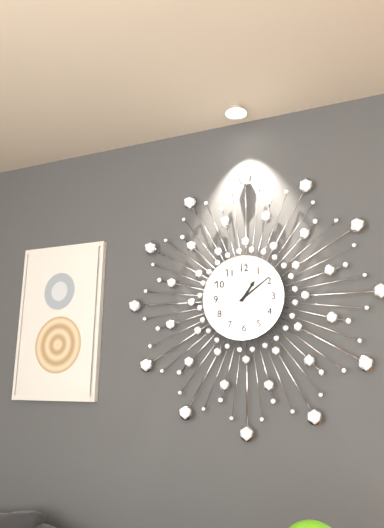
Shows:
1h09
